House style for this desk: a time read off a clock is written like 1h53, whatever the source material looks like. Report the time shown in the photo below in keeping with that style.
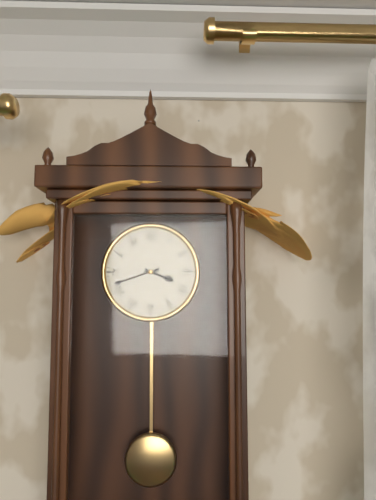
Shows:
3h42
